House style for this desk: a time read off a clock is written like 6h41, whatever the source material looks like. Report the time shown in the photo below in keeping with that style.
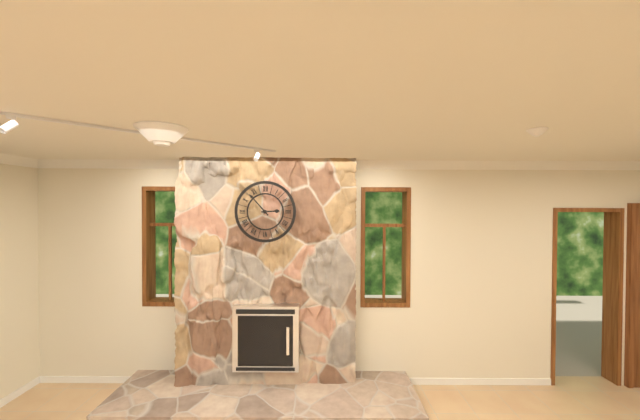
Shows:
2h53
